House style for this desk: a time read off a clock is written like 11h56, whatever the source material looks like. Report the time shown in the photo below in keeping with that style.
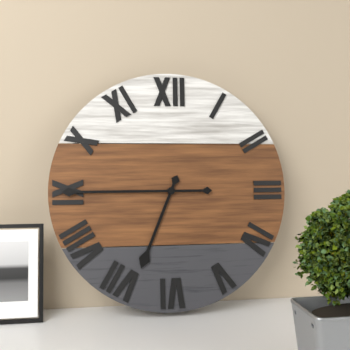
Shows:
6h45
